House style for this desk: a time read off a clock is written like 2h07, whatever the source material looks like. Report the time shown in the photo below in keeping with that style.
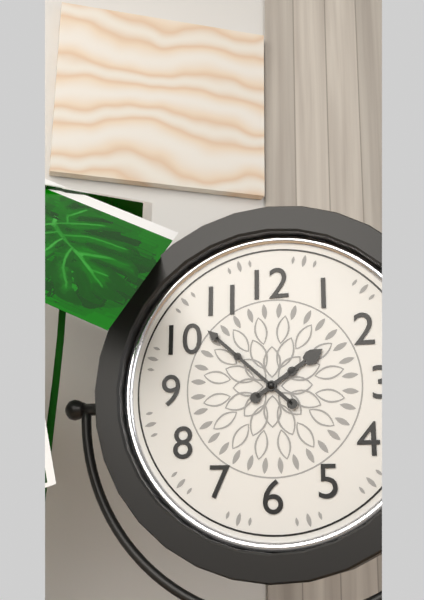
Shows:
1h52
